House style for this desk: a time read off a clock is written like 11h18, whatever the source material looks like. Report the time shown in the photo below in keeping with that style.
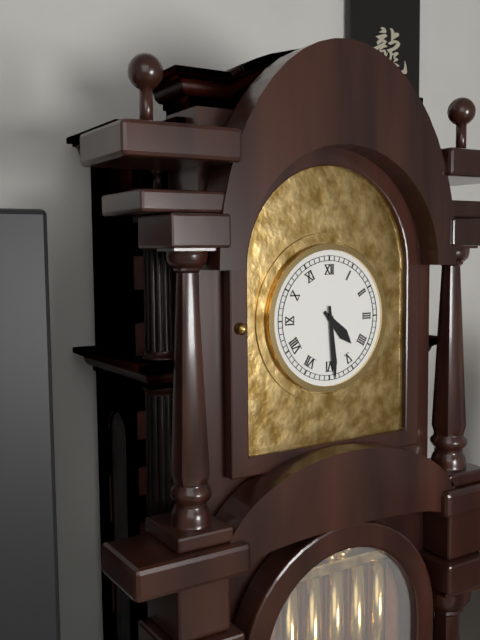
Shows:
4h29
